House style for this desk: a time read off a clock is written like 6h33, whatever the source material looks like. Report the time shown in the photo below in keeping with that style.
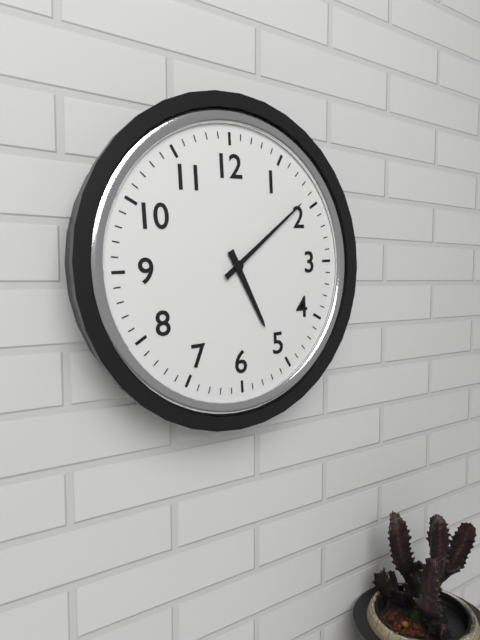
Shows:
5h09
